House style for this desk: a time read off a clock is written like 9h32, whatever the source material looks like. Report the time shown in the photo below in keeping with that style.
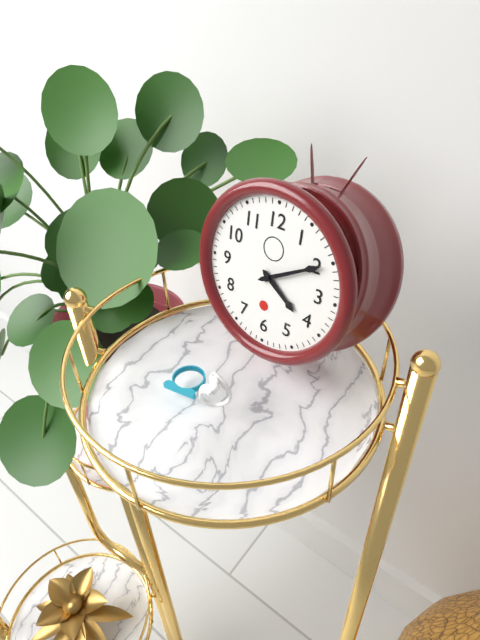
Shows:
4h10
